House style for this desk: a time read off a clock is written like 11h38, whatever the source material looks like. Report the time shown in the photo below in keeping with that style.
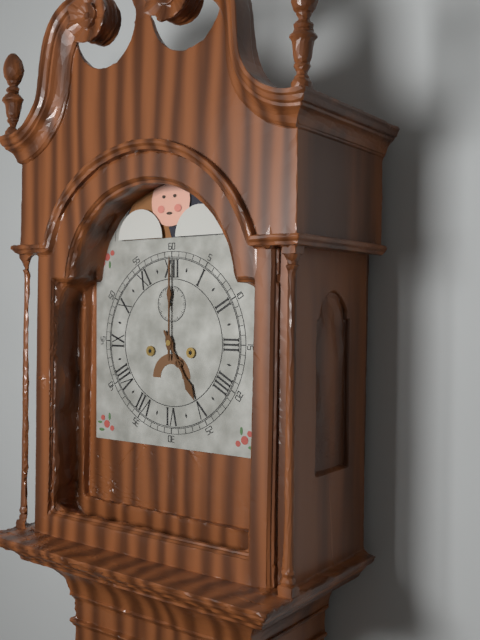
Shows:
5h00
